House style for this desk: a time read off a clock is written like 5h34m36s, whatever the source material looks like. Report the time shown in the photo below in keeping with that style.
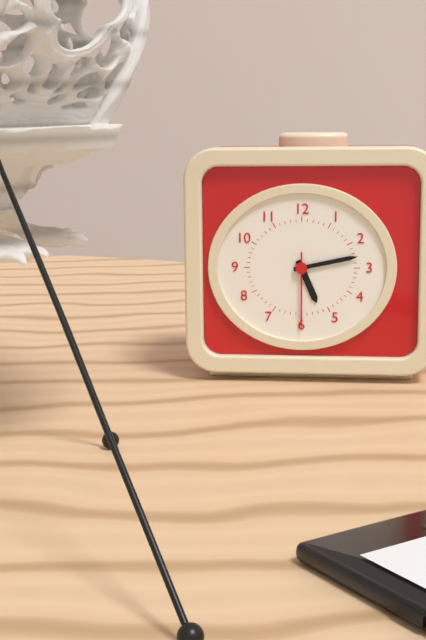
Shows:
5h13m30s
